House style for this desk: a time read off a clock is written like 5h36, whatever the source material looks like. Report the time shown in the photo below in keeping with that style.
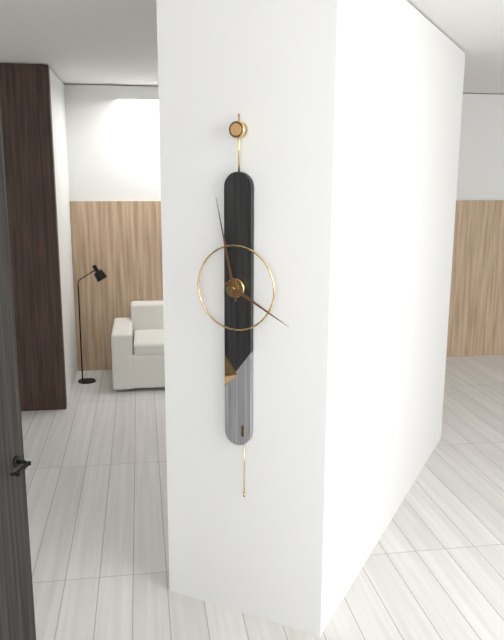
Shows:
3h58
